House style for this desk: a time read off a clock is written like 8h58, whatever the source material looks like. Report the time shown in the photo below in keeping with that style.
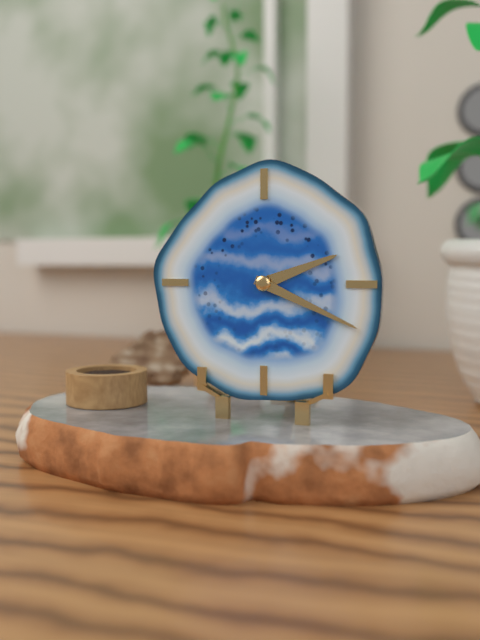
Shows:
2h19
